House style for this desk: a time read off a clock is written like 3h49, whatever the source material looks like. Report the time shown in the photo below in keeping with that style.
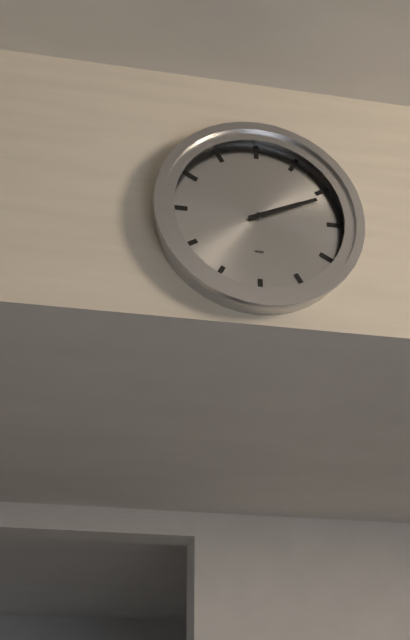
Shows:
2h11
